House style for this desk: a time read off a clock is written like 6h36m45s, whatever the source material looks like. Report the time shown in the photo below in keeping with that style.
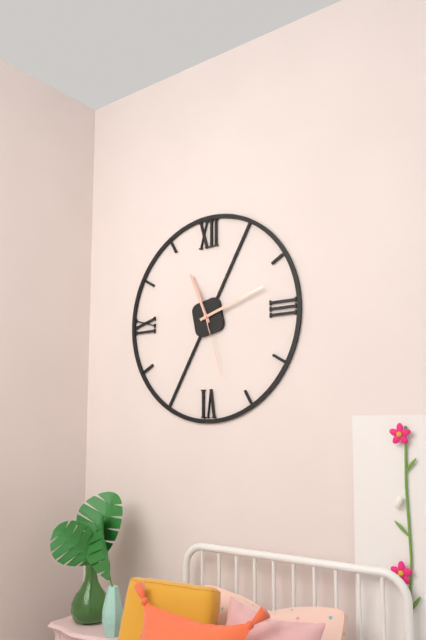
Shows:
11h12m27s
